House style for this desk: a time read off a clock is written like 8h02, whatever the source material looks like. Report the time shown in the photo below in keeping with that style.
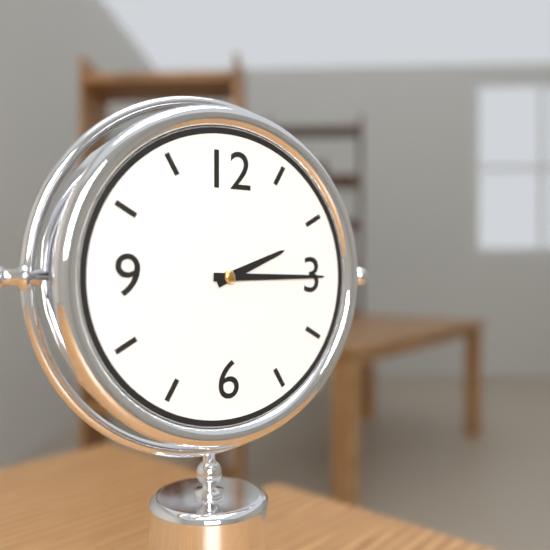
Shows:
2h15
